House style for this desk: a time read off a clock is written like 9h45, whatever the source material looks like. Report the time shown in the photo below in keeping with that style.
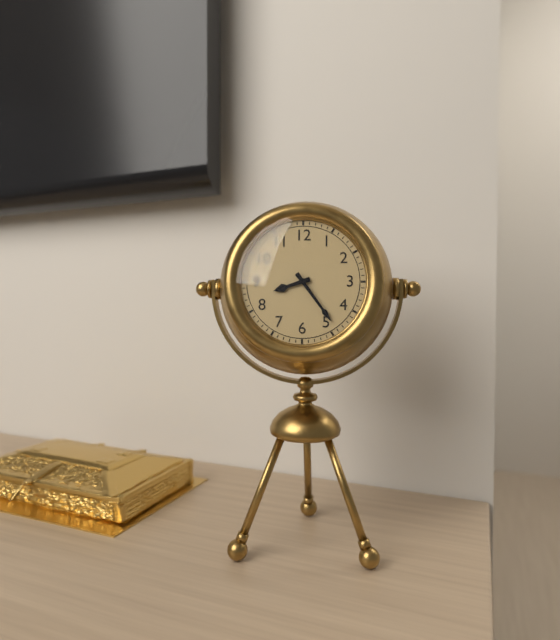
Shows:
8h24
